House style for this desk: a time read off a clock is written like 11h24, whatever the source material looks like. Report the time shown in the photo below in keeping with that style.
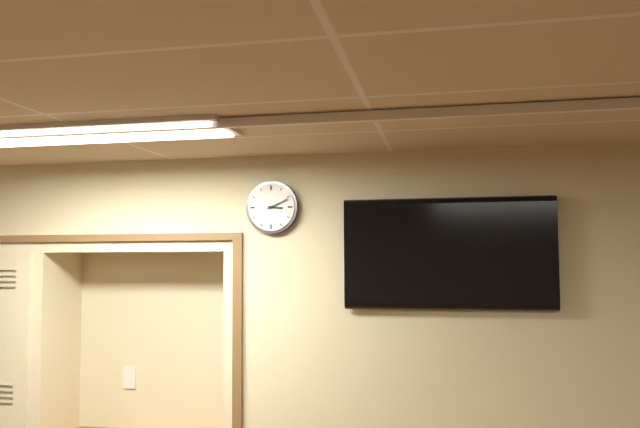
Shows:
3h11
